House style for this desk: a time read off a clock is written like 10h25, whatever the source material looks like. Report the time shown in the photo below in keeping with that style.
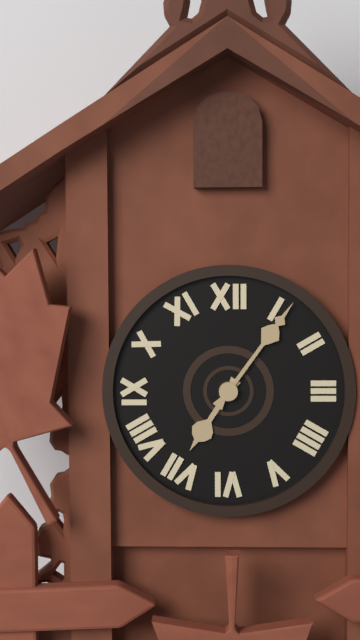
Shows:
7h06
